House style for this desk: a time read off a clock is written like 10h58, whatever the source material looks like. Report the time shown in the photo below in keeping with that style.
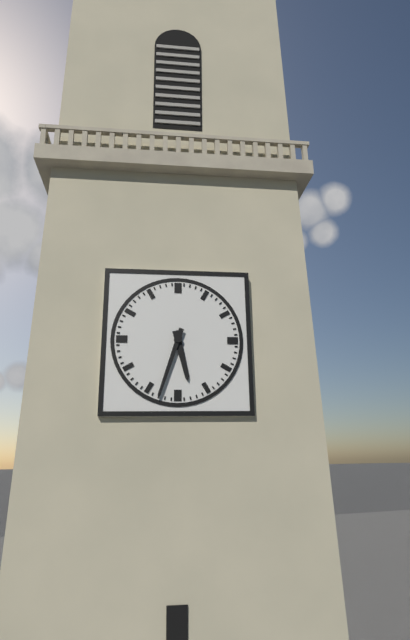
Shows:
5h33
